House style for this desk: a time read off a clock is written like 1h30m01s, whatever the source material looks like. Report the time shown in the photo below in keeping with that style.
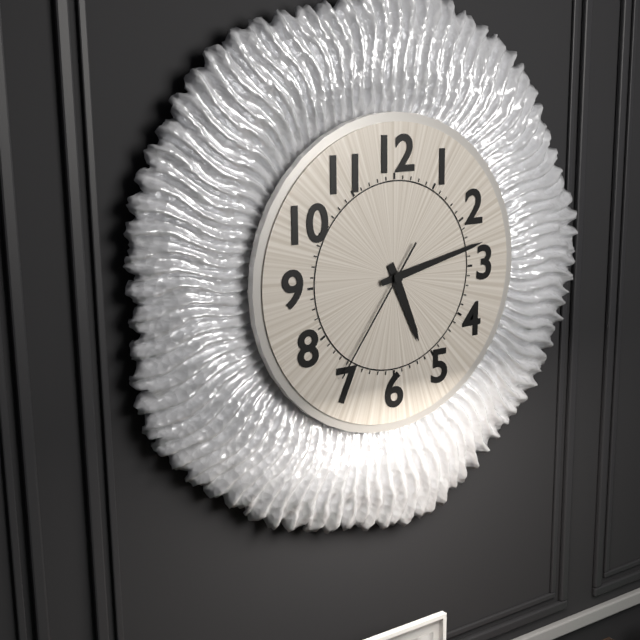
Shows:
5h13m36s
